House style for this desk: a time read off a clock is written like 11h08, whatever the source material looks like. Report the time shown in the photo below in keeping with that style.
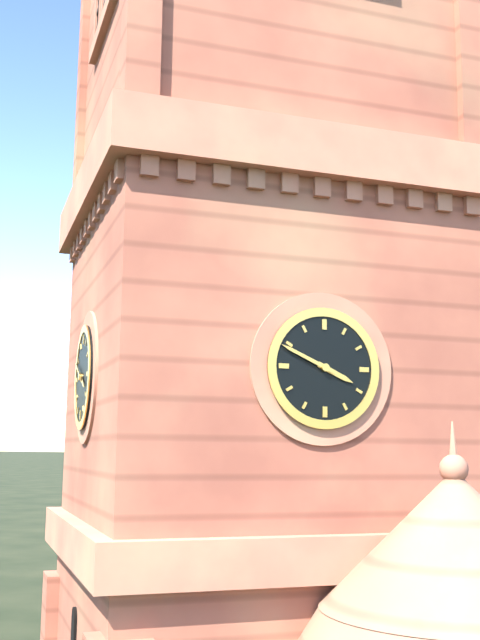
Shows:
3h49
